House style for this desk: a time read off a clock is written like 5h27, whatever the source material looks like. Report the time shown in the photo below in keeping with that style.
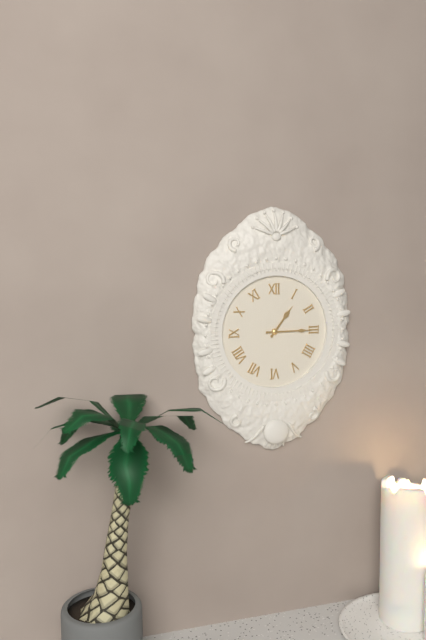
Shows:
1h15
